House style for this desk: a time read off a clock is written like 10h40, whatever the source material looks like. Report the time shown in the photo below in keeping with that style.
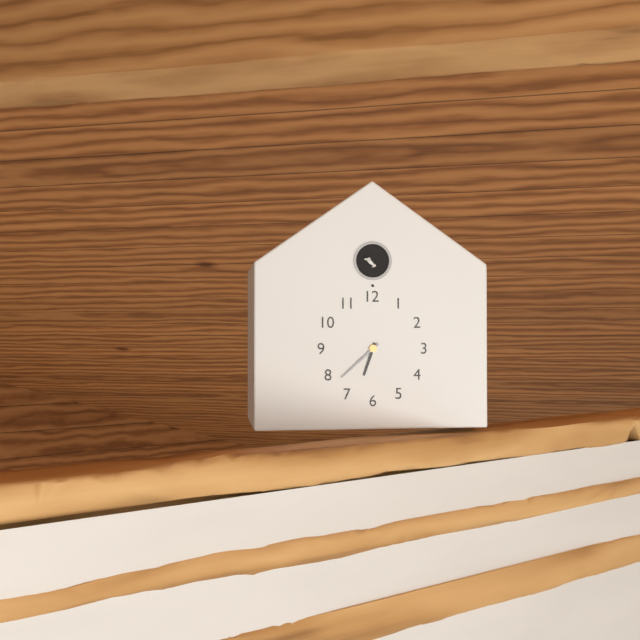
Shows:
6h38
